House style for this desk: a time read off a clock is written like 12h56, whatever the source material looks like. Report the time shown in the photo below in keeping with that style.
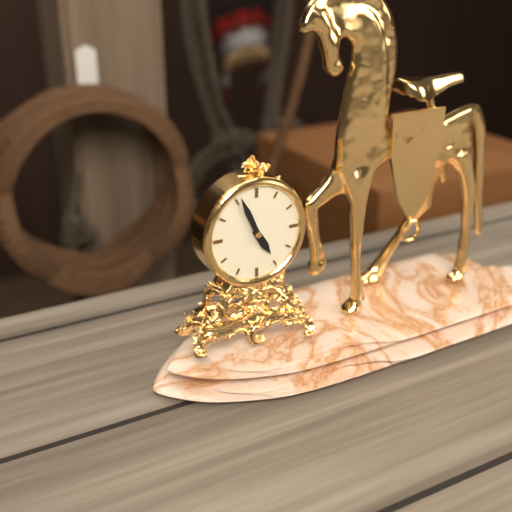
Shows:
4h56
